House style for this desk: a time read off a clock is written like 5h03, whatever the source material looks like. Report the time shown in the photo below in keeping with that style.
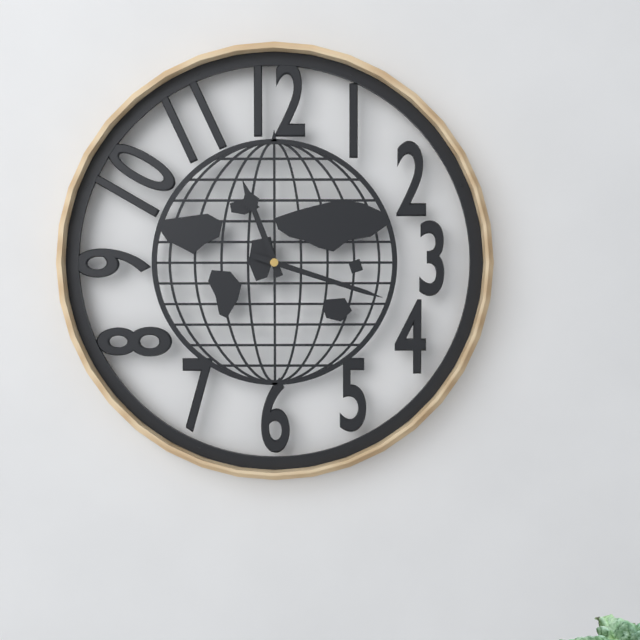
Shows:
11h18
